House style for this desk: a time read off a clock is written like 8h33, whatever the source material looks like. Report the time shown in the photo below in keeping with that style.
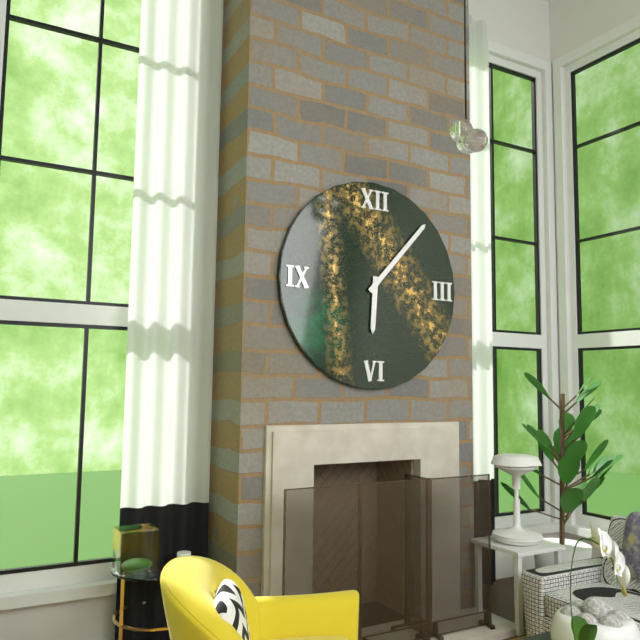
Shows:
6h07
